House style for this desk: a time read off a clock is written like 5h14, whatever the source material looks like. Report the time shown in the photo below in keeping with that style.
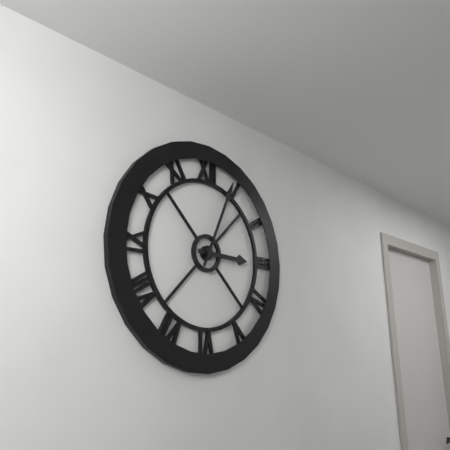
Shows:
3h04
